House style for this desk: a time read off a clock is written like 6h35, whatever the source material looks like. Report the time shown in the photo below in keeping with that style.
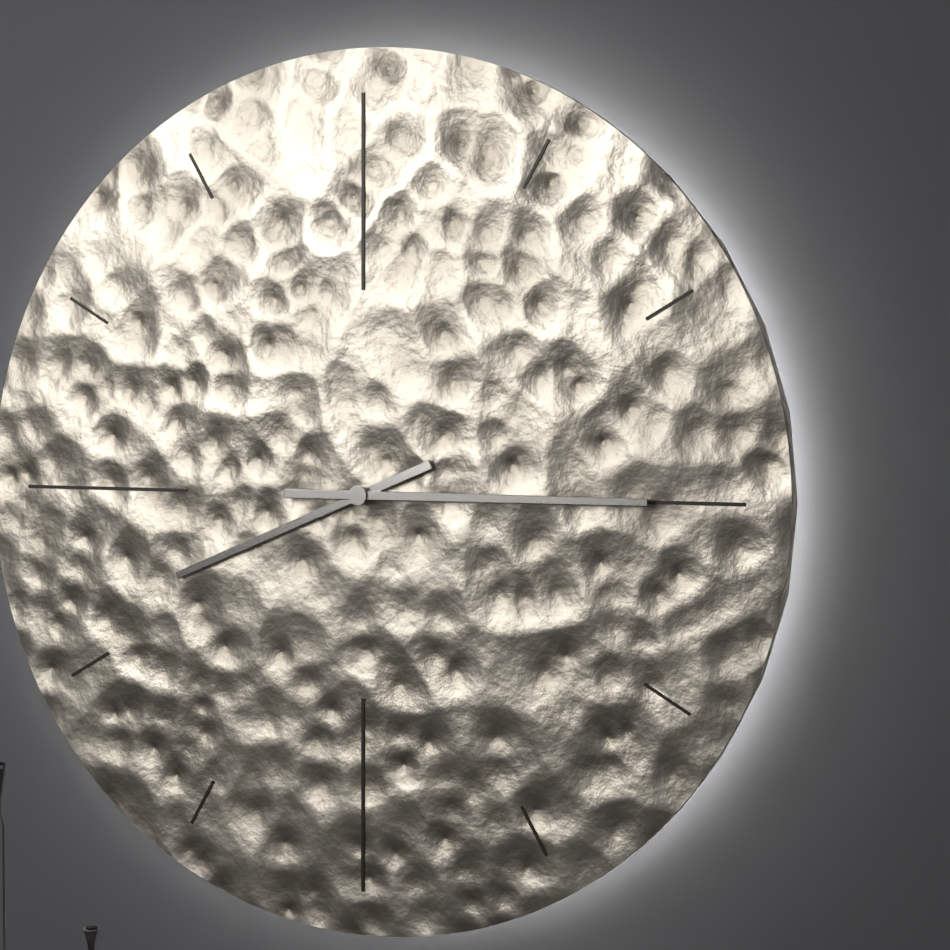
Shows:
8h15
